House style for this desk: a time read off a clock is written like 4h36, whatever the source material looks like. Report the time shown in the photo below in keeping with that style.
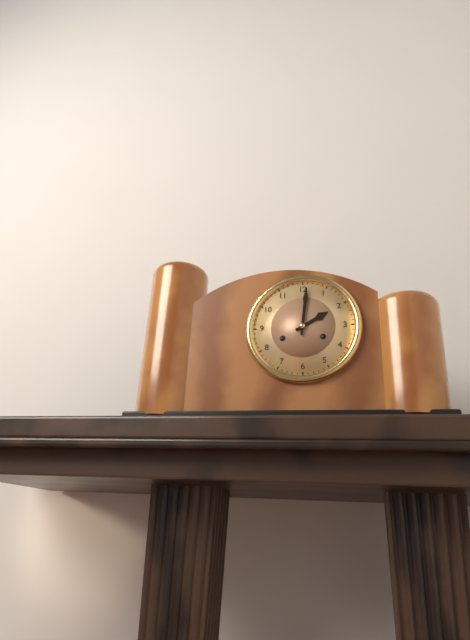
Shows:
2h01
